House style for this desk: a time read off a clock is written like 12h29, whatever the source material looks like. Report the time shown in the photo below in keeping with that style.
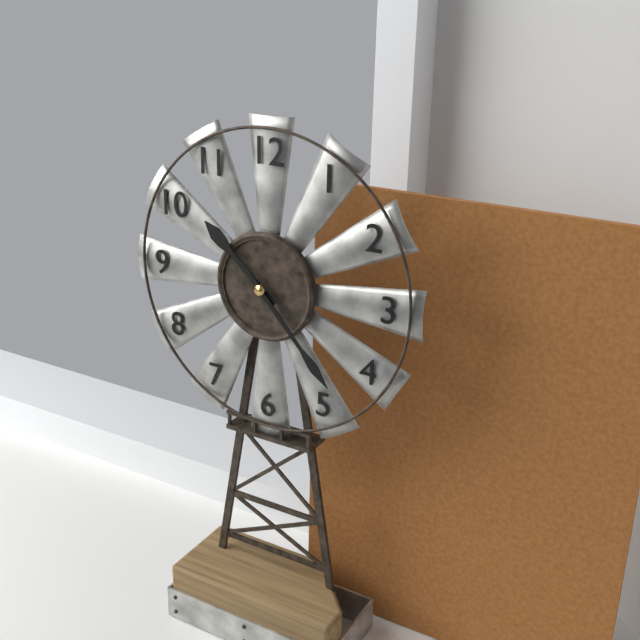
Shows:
10h23
